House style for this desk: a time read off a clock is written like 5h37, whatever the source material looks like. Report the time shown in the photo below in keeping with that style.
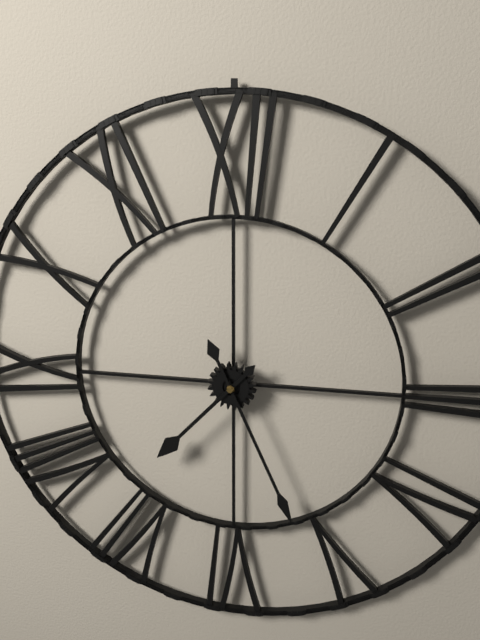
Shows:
7h26
